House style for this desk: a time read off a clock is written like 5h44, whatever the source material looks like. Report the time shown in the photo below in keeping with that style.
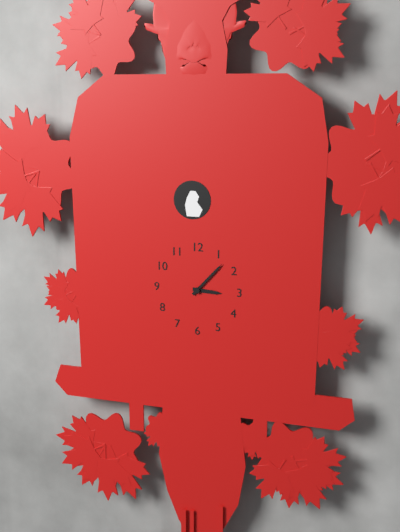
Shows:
3h07
